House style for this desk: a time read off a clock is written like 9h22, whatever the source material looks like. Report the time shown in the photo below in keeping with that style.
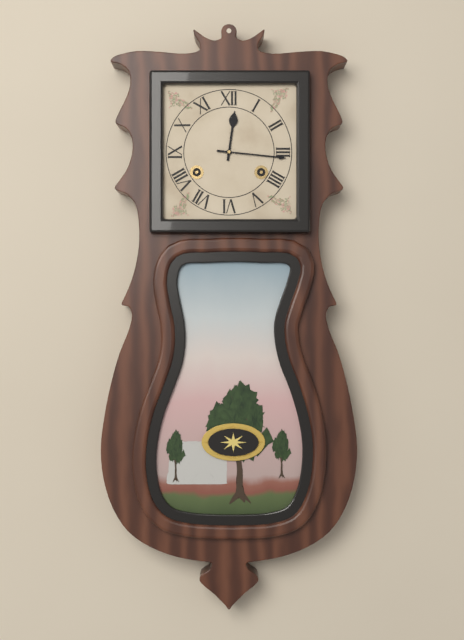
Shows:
12h16
